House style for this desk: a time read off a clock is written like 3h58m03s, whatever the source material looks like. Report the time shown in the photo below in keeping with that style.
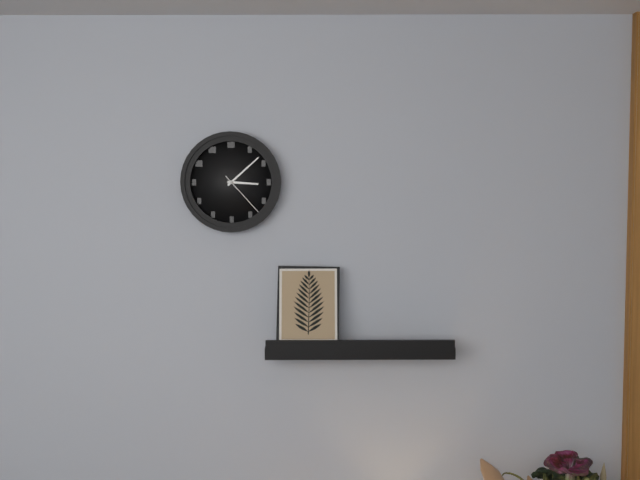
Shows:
3h08m23s
